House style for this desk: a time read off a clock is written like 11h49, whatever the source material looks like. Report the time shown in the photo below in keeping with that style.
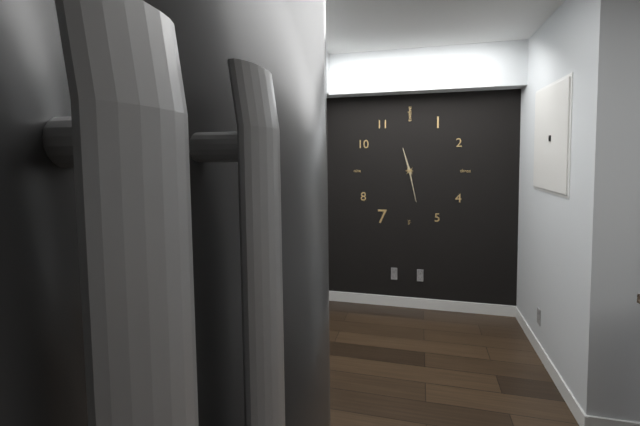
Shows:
11h28
